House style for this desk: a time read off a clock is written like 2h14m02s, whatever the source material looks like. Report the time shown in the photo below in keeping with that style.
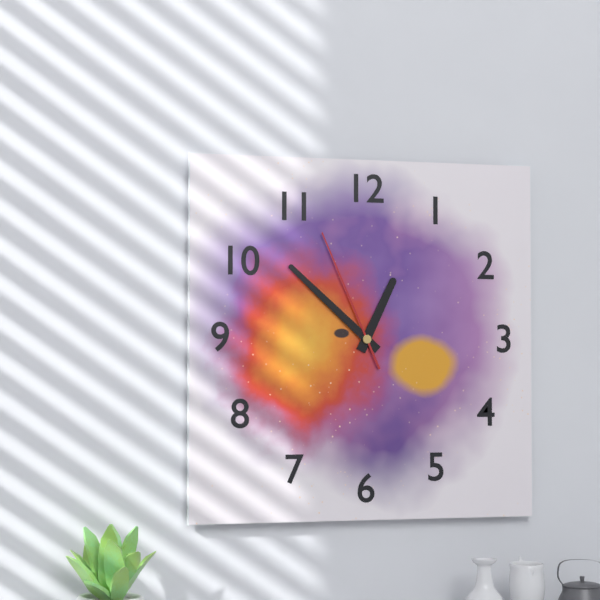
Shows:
12h52m56s
